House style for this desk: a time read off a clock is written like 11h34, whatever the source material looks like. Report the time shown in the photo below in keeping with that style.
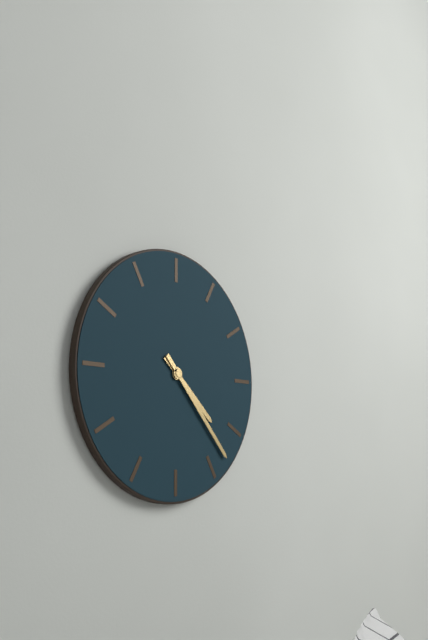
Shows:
4h23
